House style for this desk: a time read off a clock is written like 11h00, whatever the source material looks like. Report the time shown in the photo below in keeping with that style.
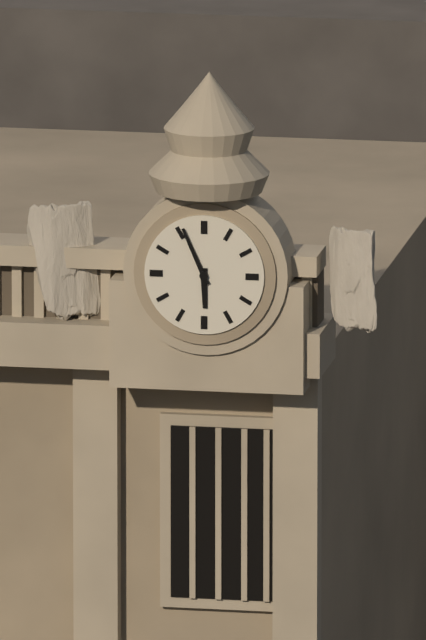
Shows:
5h56
